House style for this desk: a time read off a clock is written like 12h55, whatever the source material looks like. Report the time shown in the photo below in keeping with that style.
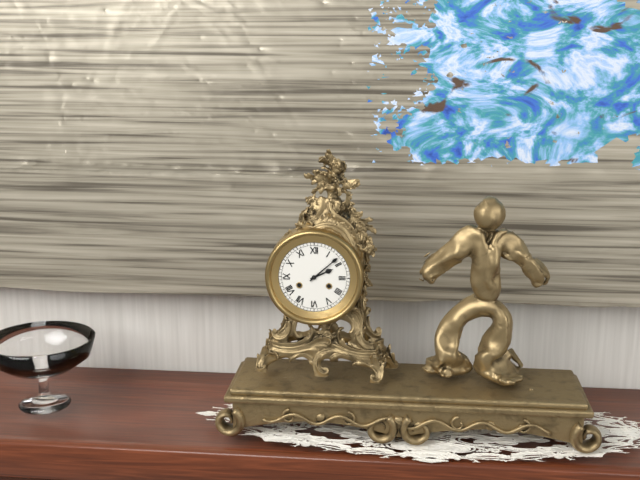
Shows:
2h08
